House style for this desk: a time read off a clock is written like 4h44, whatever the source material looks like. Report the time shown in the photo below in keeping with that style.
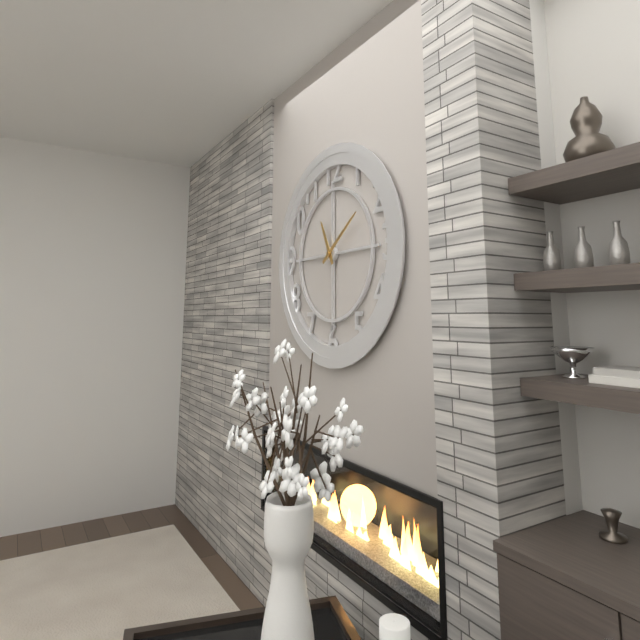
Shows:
11h09
